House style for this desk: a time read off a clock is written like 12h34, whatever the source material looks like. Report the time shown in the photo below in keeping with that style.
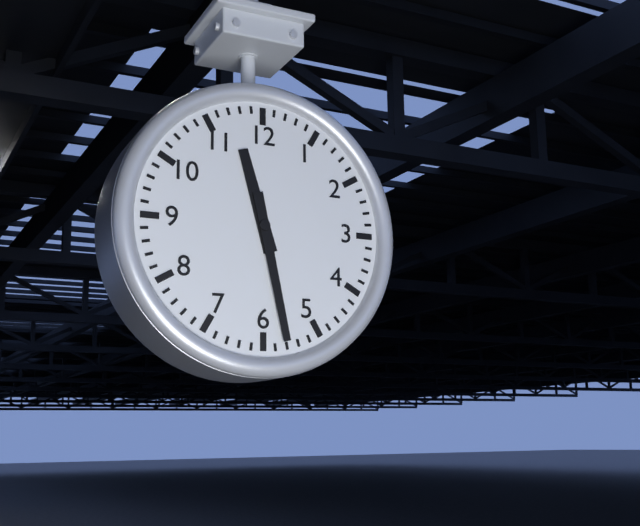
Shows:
11h28
